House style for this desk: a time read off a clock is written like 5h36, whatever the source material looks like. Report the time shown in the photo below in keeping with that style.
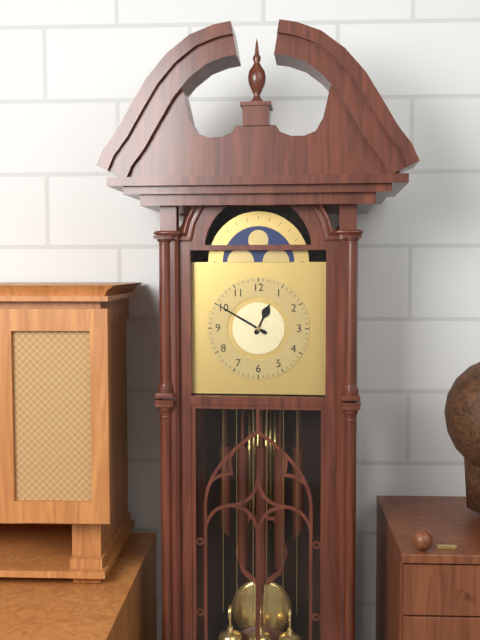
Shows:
12h50
